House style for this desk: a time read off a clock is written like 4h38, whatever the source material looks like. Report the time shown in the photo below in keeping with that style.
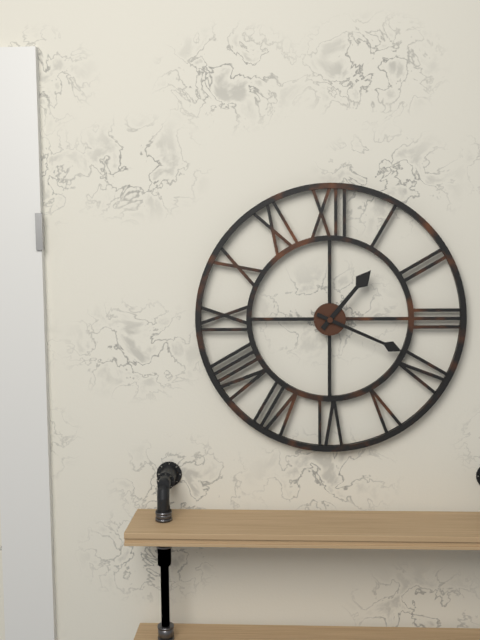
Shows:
1h19
